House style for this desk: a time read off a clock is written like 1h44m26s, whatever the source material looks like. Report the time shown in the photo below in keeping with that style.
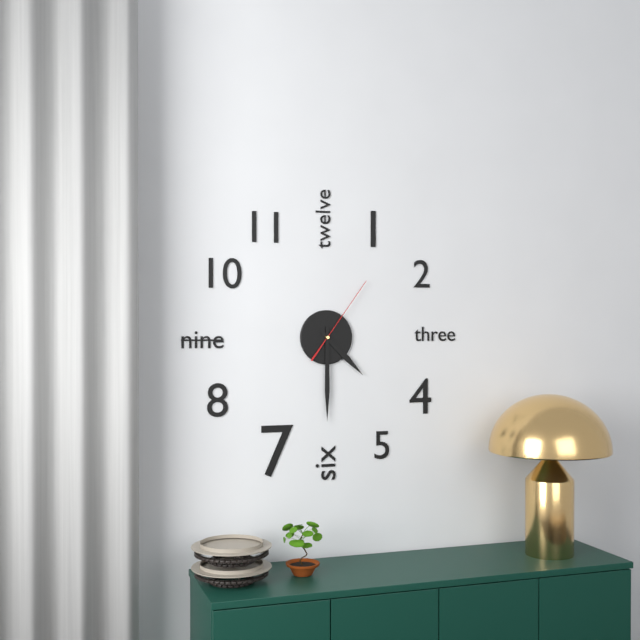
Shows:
4h30m06s
